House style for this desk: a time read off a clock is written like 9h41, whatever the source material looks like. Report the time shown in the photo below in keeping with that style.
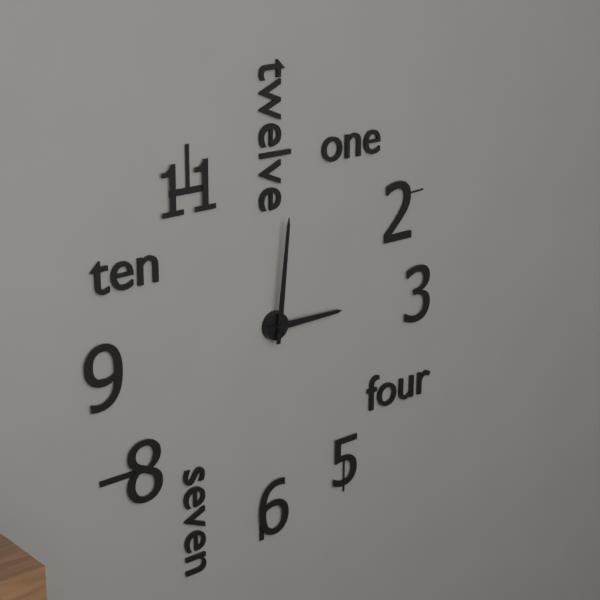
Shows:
3h01
